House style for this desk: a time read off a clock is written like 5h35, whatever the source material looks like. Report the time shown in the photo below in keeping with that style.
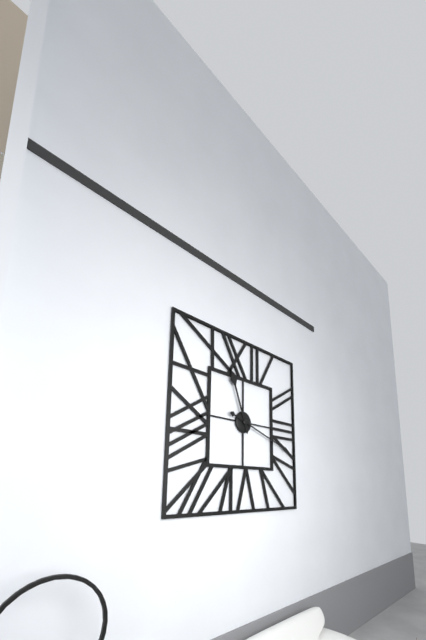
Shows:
11h18
